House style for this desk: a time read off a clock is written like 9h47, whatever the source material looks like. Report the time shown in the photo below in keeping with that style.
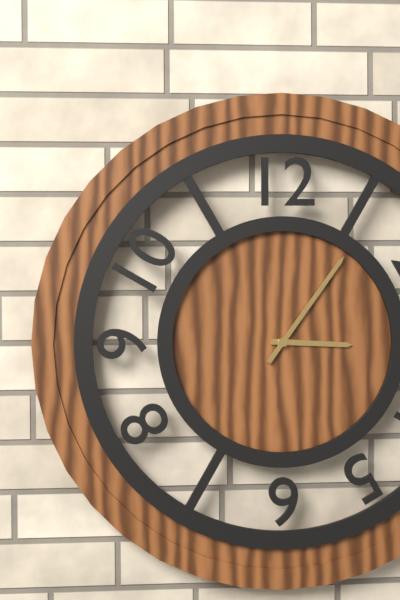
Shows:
3h06
